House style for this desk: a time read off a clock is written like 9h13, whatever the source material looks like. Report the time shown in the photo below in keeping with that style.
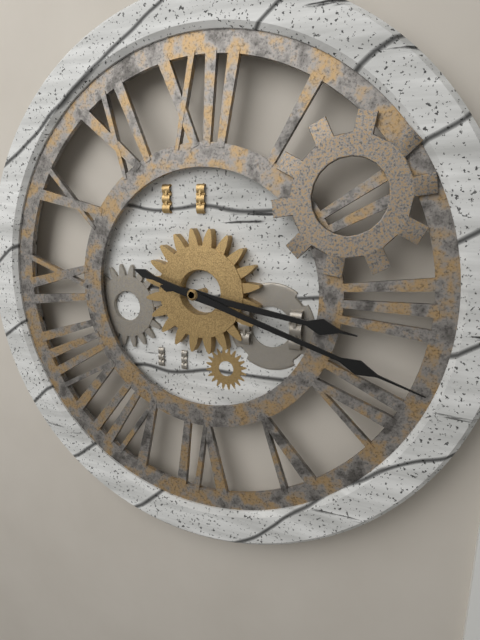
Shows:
3h18
